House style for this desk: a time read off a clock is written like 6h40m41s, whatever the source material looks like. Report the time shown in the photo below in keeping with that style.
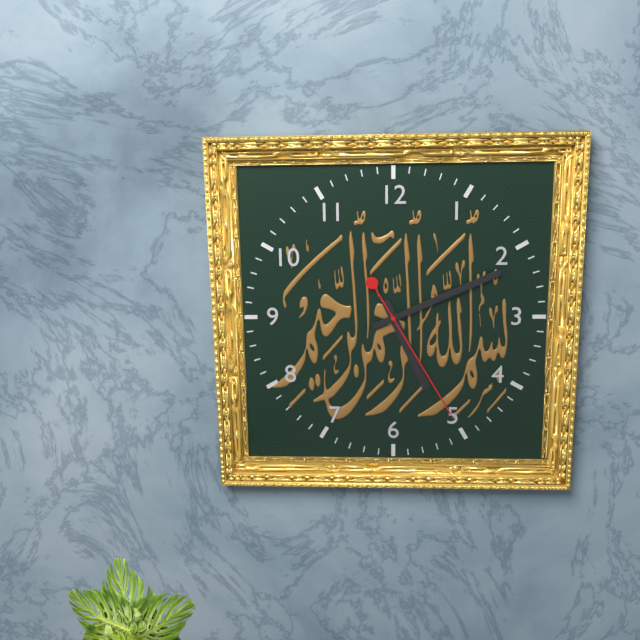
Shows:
5h11m25s
